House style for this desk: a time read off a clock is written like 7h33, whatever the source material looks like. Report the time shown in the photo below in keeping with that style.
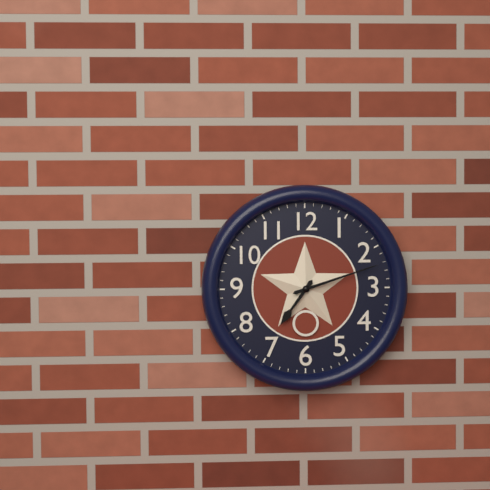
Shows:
7h12
